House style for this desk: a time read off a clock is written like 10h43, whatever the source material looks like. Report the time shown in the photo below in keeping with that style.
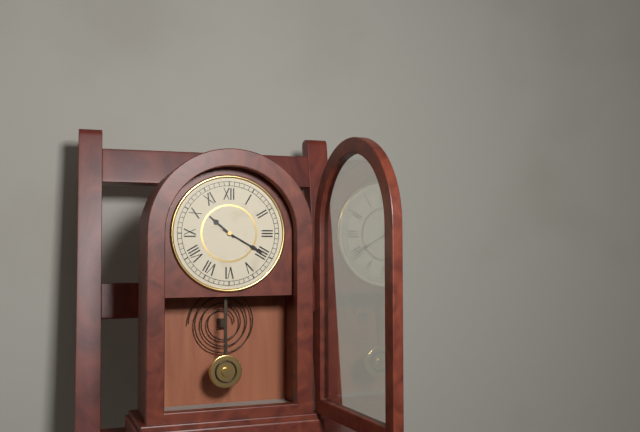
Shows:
10h20
